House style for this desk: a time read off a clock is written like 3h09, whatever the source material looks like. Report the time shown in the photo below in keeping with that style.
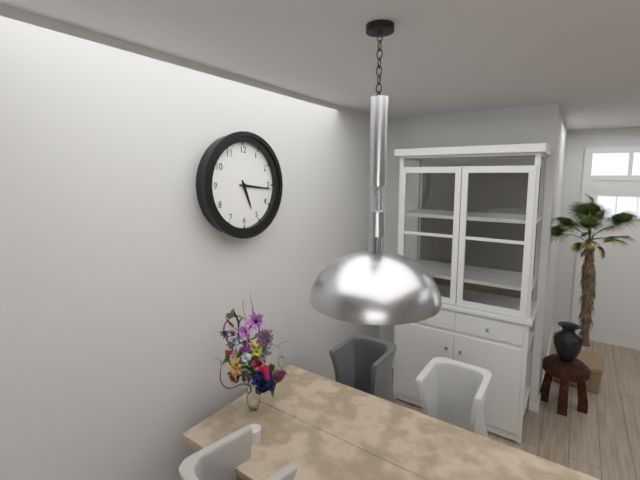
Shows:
5h16
